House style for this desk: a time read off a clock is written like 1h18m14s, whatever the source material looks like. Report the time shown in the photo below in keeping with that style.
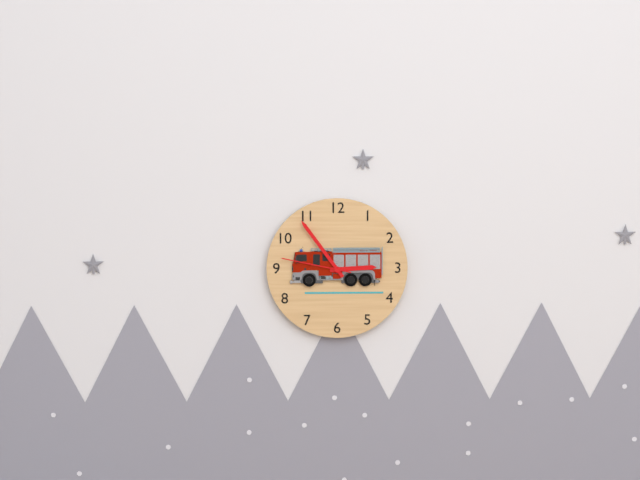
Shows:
2h54m47s
